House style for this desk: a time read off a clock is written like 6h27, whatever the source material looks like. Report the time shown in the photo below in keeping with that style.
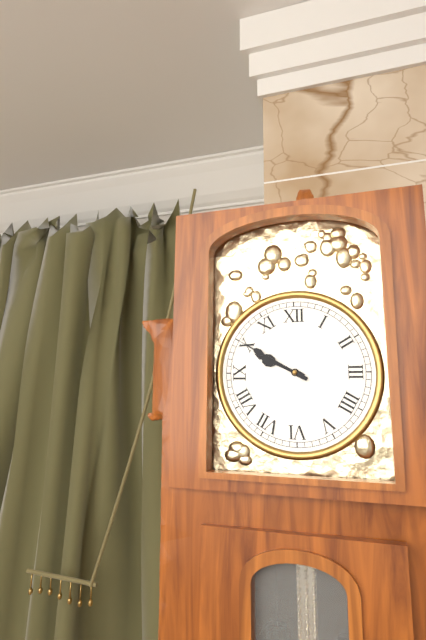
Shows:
9h50
